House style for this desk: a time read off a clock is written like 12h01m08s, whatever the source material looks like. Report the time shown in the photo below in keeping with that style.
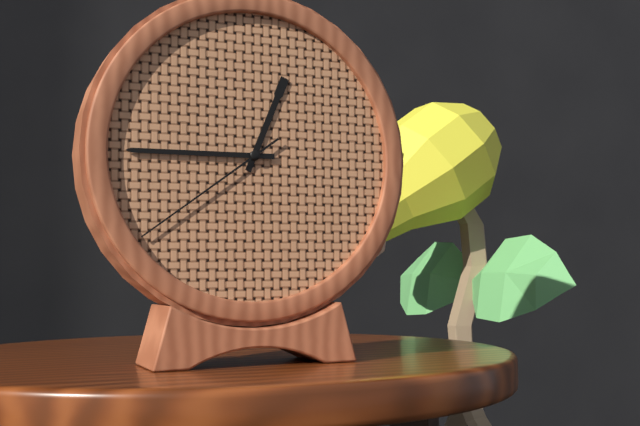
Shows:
12h45m39s
